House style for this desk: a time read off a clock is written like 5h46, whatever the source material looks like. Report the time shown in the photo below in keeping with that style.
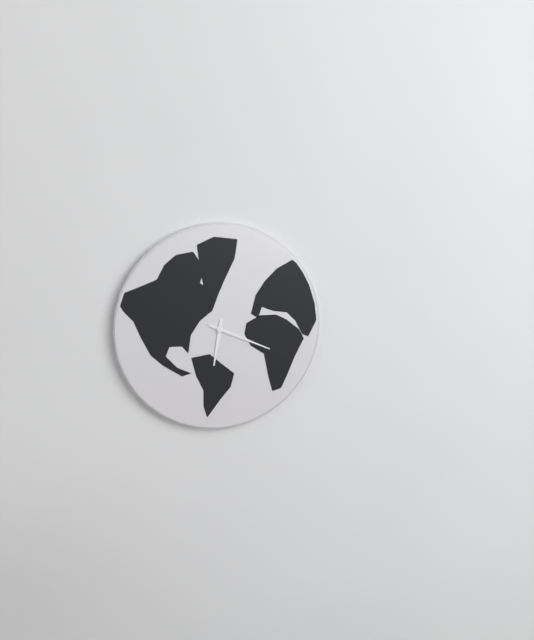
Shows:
6h19
